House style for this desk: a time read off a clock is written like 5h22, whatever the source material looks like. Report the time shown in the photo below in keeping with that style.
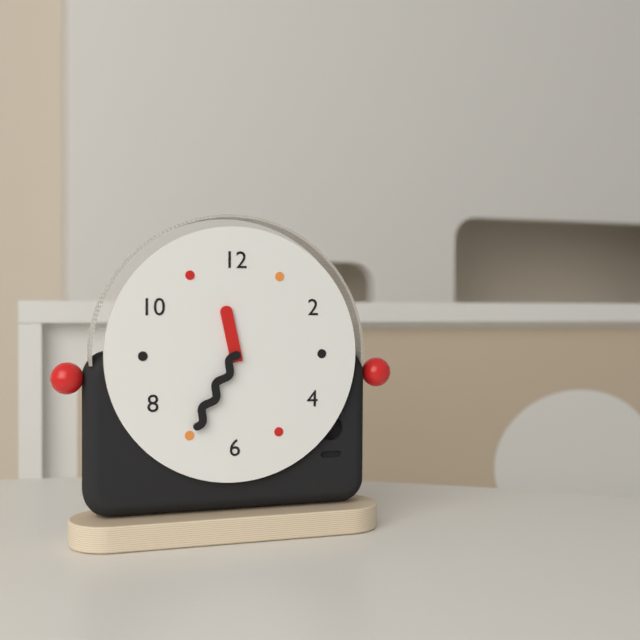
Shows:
11h35
